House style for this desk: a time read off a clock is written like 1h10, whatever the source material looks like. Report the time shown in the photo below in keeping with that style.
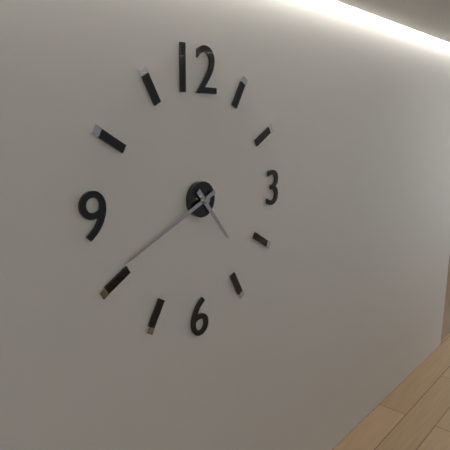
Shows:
4h41
